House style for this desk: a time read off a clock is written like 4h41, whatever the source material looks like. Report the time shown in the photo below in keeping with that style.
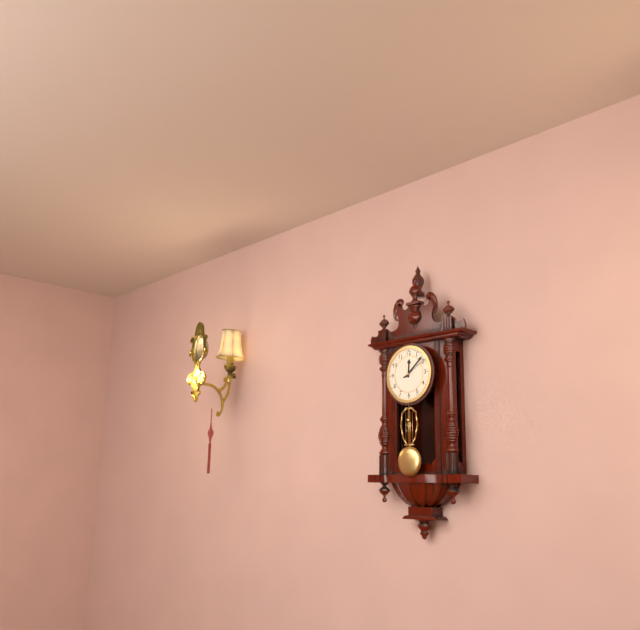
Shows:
12h08
